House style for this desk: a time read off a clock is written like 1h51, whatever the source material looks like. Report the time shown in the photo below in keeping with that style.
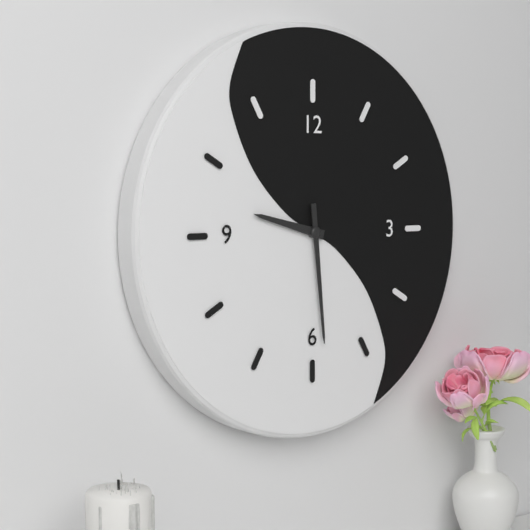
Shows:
9h29
